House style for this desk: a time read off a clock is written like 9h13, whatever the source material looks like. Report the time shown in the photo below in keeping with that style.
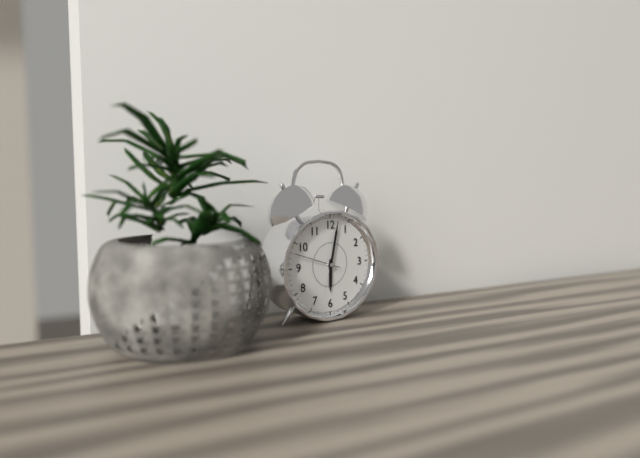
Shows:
6h02
